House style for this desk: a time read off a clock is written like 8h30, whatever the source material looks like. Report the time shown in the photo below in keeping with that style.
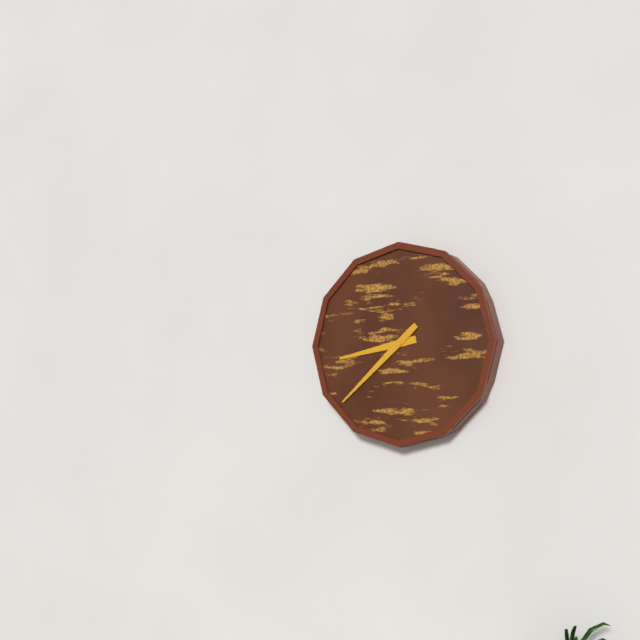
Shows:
8h38
